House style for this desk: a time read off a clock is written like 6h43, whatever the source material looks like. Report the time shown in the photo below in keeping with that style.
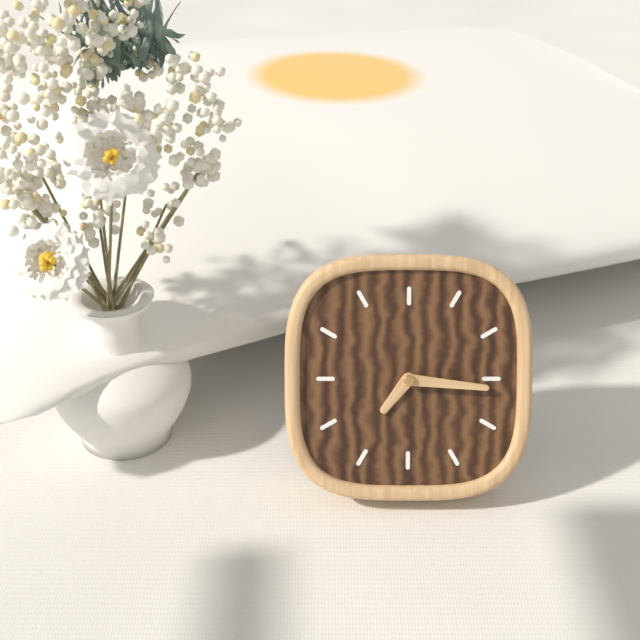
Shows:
7h16
